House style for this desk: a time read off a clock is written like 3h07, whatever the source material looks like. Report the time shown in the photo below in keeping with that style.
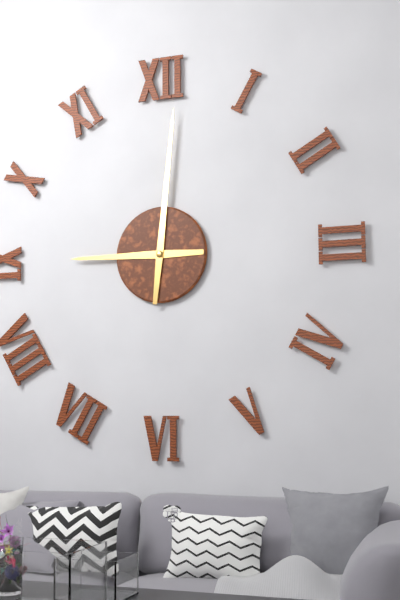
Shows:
9h01
